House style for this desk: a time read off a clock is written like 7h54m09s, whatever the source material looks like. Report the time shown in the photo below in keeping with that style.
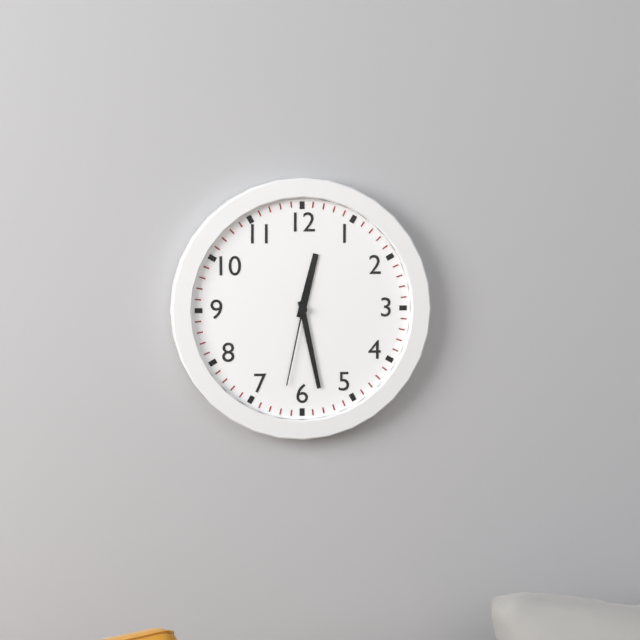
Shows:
12h28m32s
